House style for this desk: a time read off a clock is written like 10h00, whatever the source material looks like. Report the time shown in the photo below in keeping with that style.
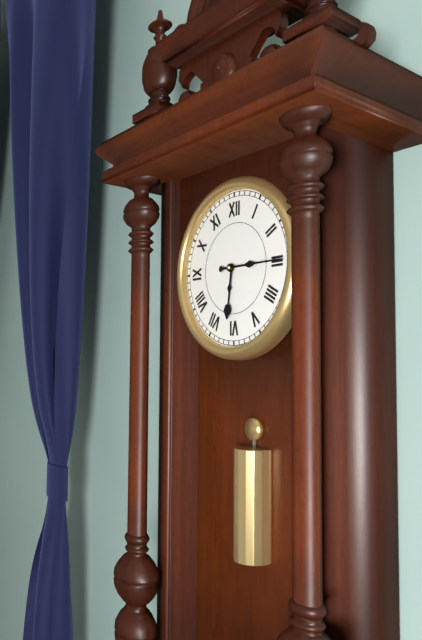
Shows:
6h15
